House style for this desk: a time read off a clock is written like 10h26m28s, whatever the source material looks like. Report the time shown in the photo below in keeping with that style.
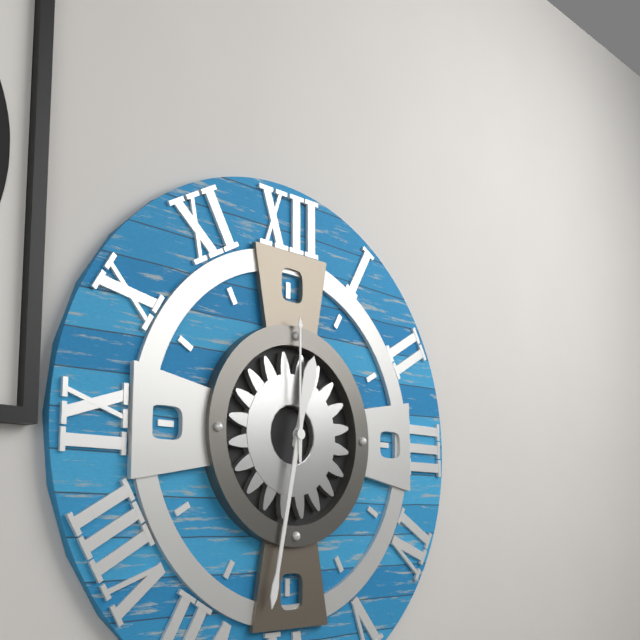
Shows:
12h32m00s
